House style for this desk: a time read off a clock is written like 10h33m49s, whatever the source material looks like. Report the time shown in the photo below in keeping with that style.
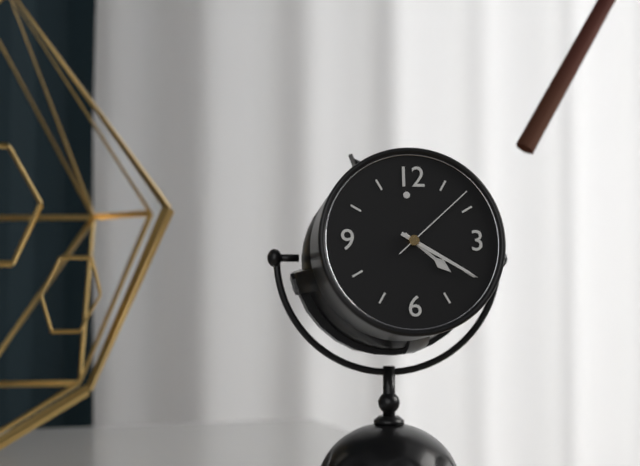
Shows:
4h20m08s
